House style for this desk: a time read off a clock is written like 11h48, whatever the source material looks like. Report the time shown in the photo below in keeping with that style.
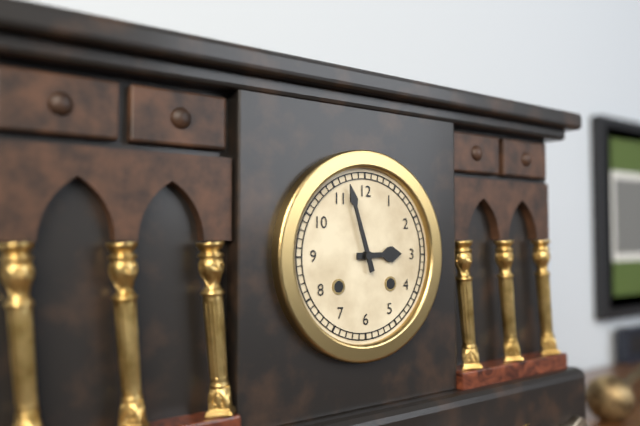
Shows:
2h57
